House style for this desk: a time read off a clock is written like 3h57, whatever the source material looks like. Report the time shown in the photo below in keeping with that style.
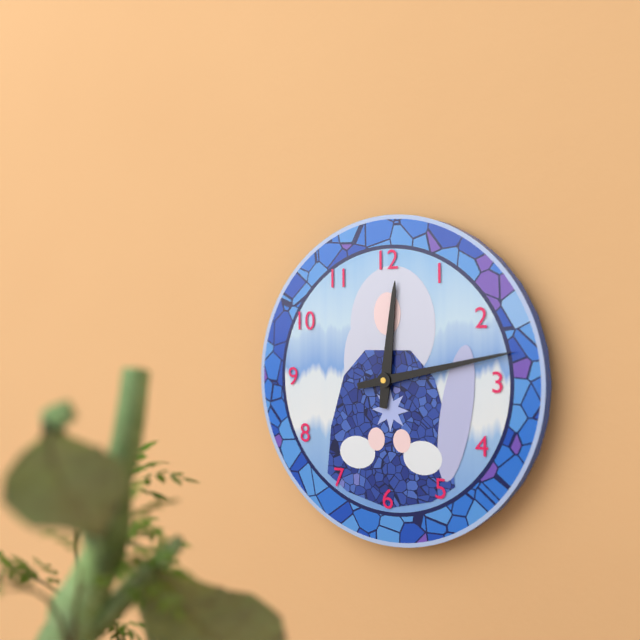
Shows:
12h13
